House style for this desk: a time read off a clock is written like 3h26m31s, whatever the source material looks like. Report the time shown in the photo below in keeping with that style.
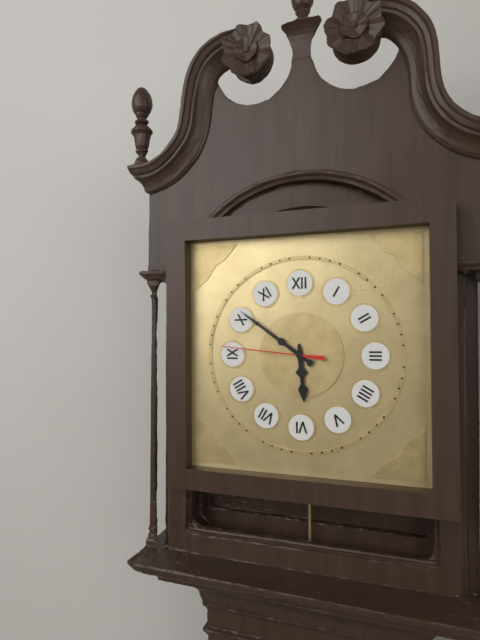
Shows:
5h51m46s
